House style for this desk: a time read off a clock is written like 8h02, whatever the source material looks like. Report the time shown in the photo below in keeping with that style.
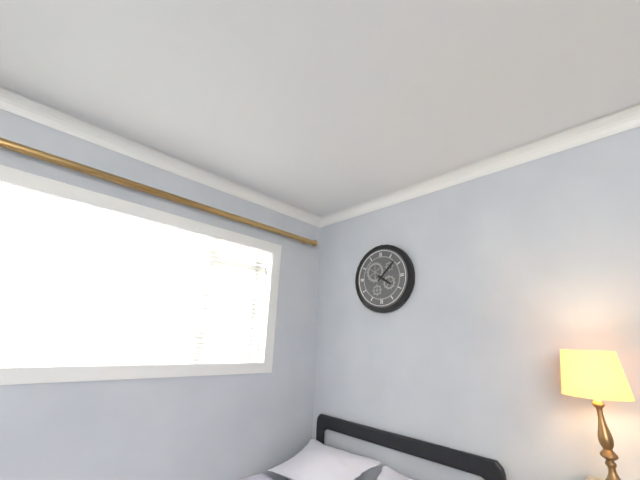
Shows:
4h08
